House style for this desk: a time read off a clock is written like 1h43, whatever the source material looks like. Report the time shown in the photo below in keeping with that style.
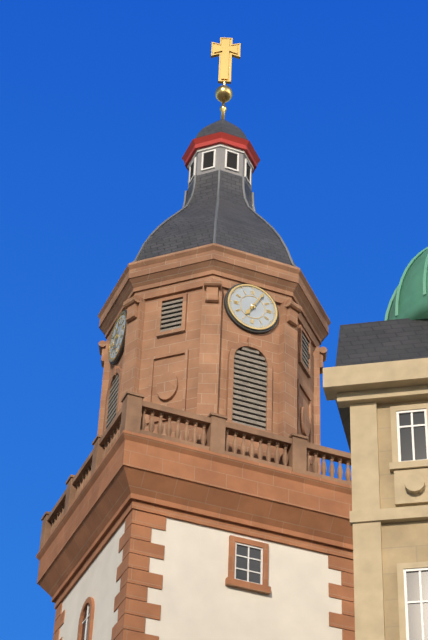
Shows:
7h05
